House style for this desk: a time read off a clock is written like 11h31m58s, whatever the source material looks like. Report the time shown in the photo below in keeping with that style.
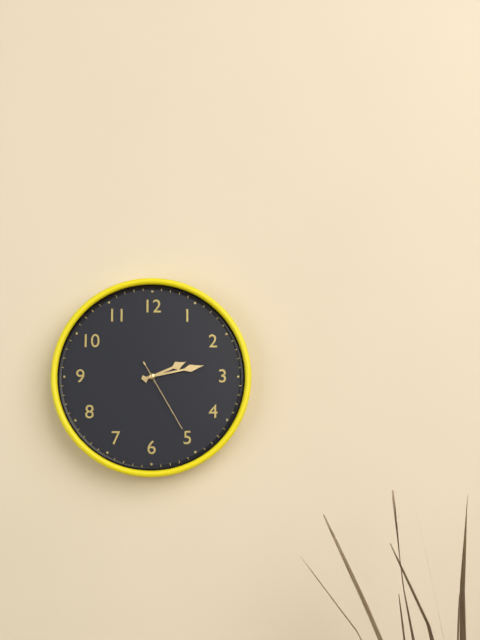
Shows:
2h13m25s
